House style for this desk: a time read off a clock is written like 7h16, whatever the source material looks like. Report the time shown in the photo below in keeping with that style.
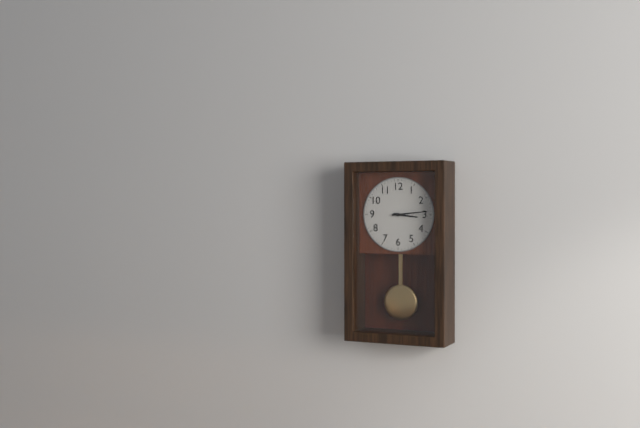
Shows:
3h14
